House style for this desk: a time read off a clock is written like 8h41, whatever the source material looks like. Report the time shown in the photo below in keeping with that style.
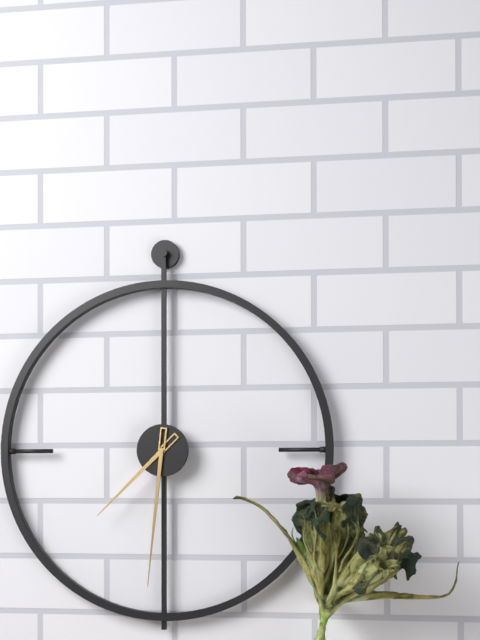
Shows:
7h31
